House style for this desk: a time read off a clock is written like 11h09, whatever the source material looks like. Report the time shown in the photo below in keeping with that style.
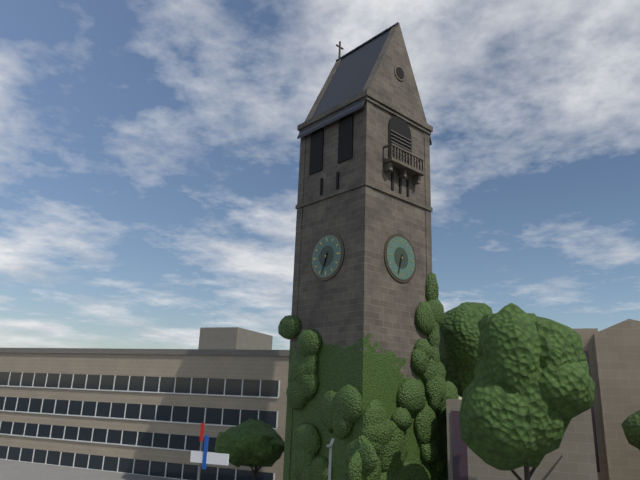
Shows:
6h33
